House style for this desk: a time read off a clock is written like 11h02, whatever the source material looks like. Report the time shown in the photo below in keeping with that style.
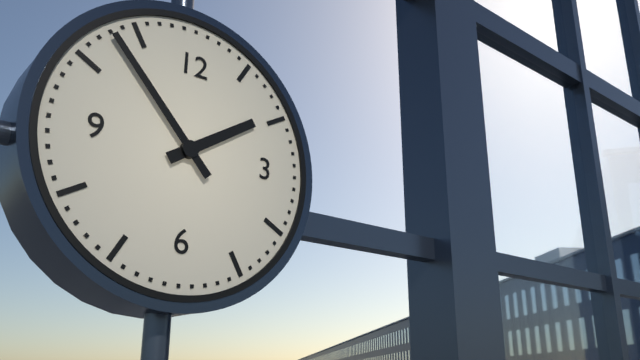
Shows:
1h53
